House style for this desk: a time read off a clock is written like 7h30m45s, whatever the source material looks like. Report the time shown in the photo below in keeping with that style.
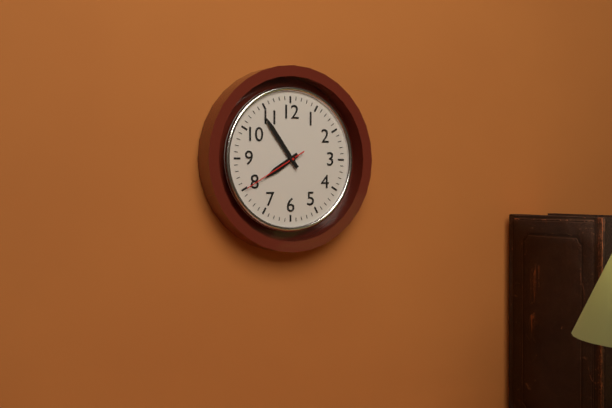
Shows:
7h54m40s
